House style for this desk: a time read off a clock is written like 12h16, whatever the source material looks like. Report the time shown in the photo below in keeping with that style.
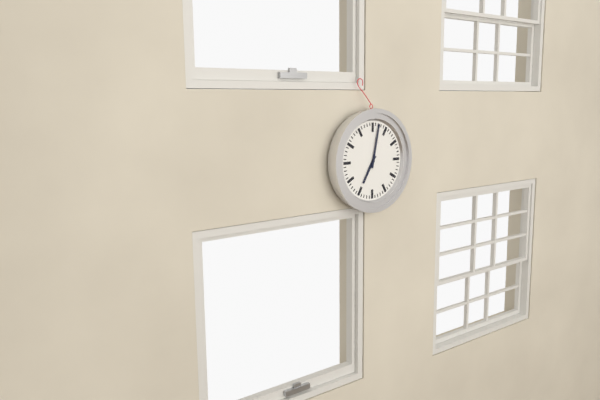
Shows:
7h02
